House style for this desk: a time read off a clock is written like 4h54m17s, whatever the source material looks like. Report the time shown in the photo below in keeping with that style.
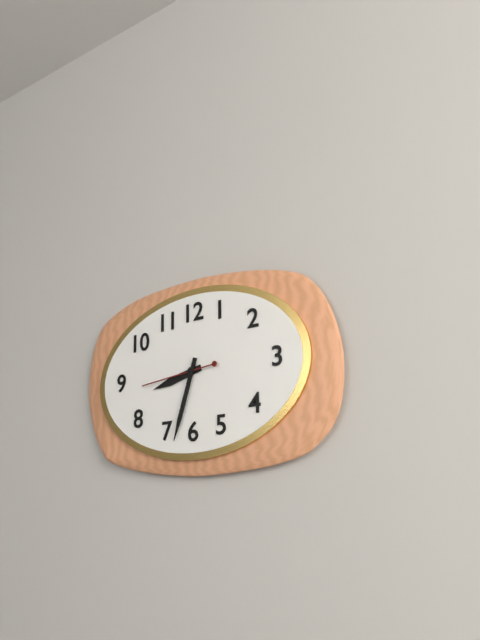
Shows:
8h33m44s
